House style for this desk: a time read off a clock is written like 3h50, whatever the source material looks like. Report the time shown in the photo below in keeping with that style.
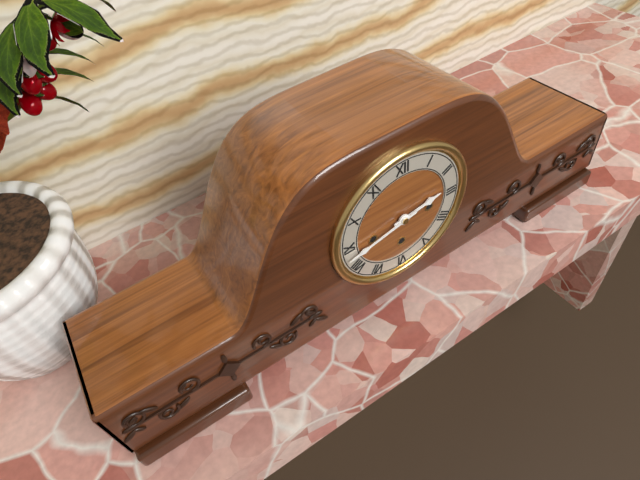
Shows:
2h43
